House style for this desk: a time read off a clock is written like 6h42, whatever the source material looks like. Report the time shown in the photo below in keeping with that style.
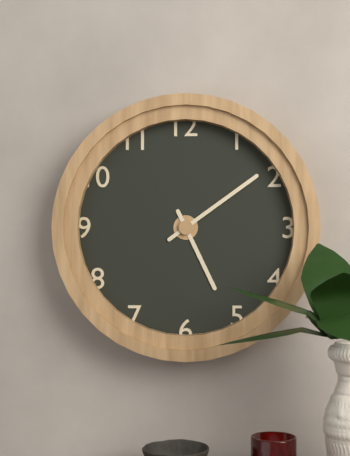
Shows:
5h09
